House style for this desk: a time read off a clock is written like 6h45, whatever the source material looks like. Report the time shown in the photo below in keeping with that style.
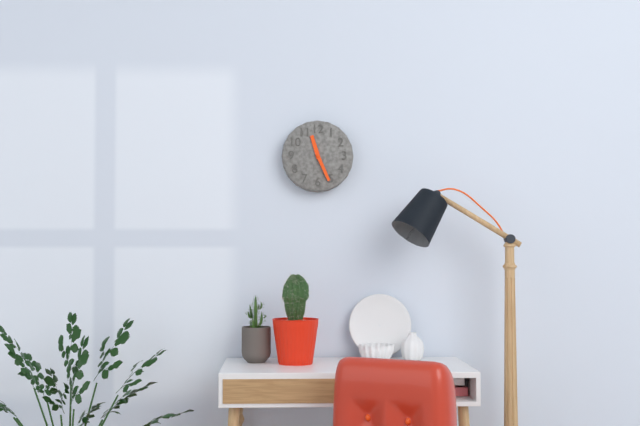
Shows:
11h26
